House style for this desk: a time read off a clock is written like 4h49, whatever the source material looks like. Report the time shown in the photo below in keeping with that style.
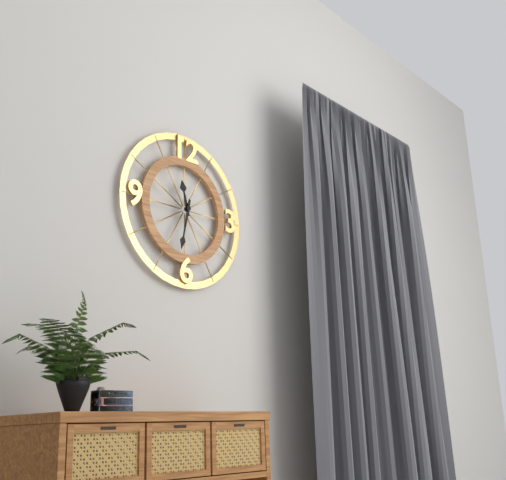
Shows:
11h32
